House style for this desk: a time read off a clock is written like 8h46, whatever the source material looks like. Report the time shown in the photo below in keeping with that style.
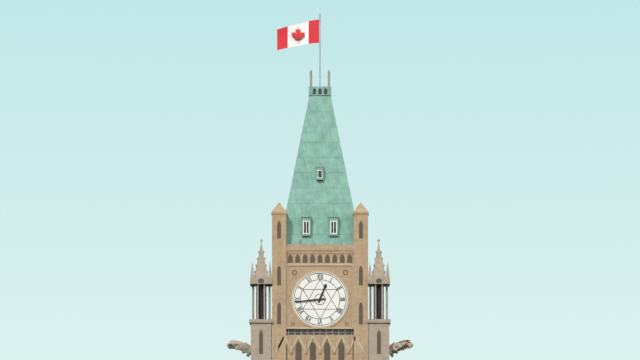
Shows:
12h44
